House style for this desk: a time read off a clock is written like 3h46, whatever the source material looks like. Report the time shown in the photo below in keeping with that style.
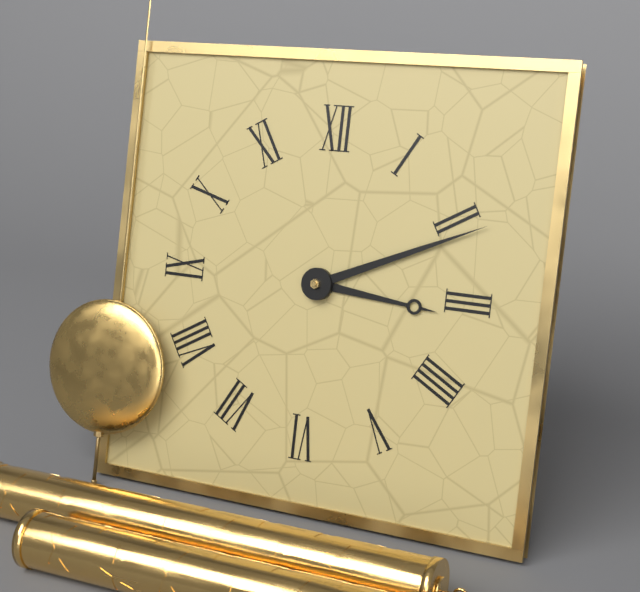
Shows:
3h11
